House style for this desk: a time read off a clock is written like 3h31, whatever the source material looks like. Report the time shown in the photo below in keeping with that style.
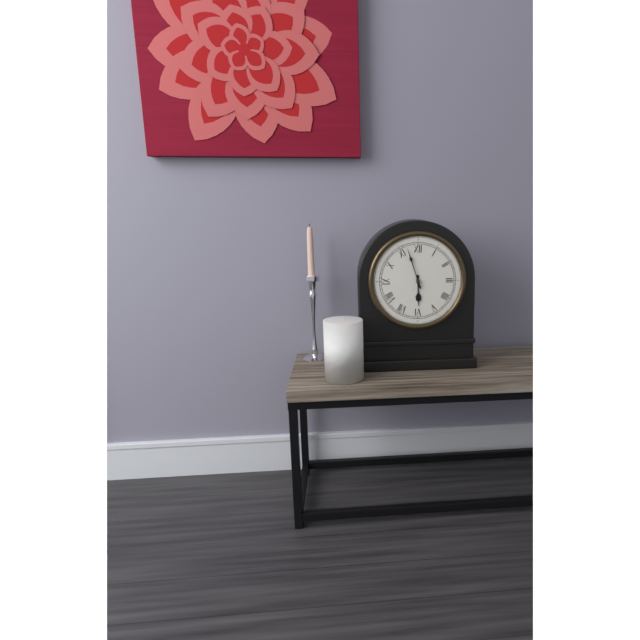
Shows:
5h57
